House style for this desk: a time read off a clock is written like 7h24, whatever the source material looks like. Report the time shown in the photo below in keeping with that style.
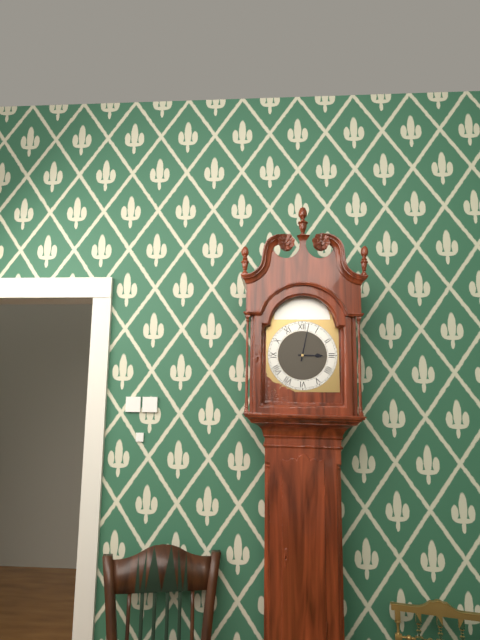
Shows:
3h02
